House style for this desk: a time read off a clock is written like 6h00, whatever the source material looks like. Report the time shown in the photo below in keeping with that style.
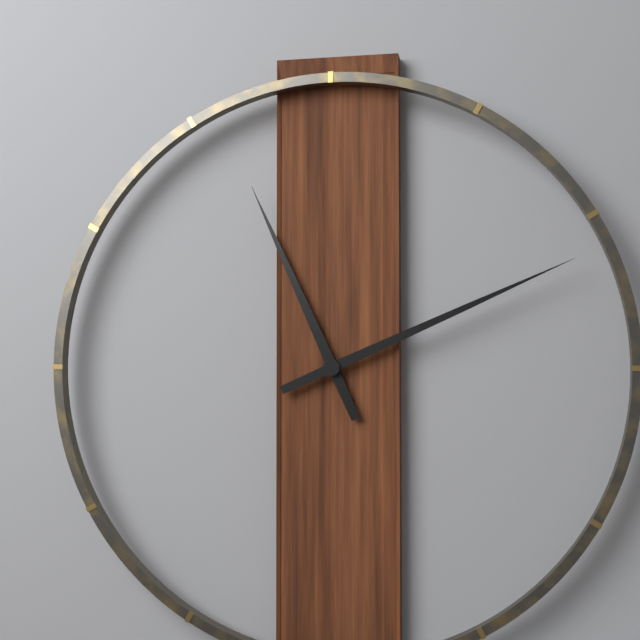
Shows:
11h11
